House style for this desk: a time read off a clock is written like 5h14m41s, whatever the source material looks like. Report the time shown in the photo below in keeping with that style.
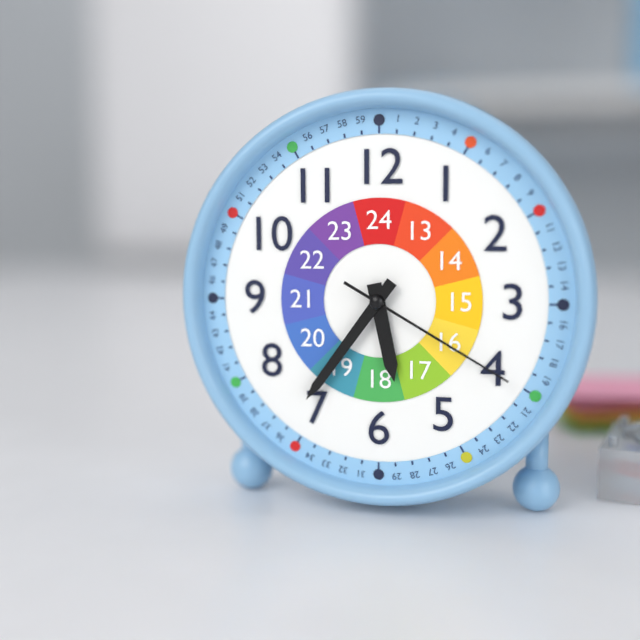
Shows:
5h36m20s
